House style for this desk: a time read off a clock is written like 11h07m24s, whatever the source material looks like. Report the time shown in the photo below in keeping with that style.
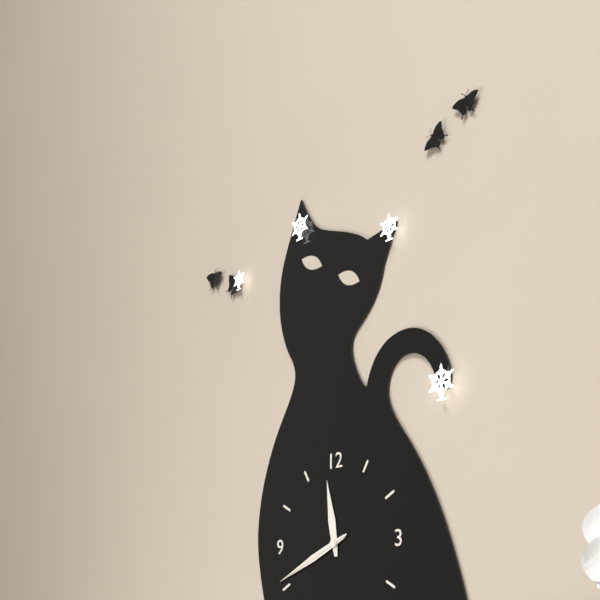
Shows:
11h41m41s
